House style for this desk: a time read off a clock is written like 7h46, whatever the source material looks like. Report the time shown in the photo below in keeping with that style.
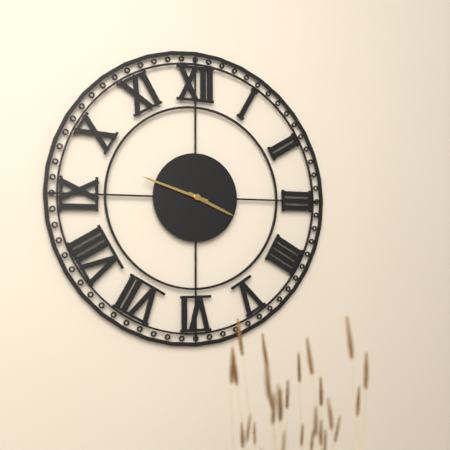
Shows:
3h48
